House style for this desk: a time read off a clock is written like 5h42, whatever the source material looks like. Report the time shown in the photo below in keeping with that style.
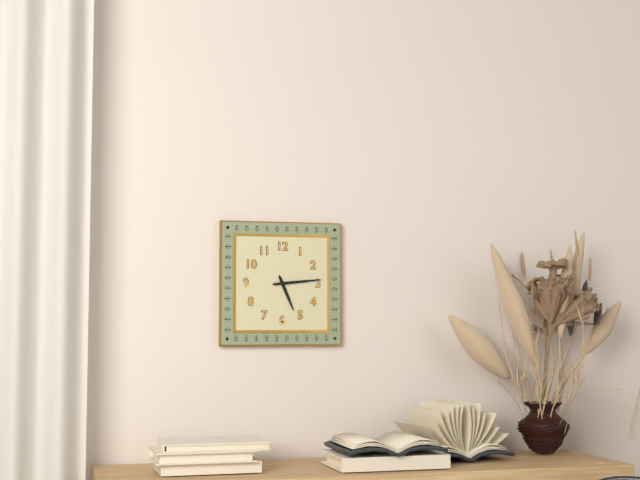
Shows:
5h14
